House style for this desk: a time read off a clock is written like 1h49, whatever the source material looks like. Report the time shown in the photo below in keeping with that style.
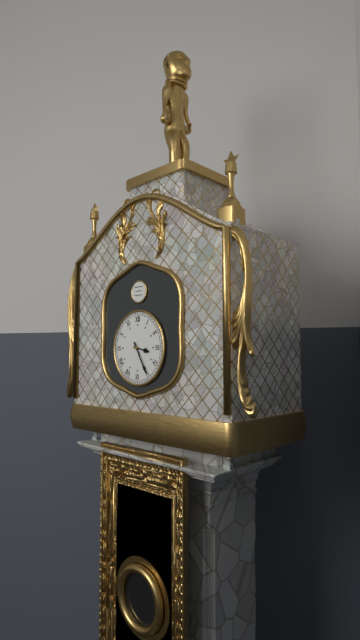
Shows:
3h25
